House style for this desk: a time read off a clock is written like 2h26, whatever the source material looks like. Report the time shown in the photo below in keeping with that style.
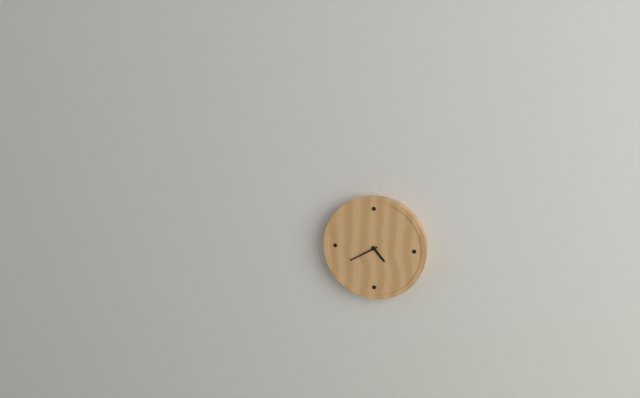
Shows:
4h40
